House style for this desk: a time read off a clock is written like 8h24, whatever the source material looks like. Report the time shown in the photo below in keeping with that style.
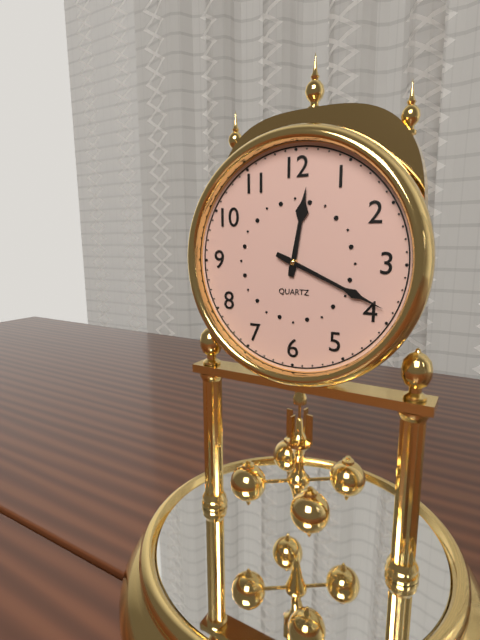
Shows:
12h19
